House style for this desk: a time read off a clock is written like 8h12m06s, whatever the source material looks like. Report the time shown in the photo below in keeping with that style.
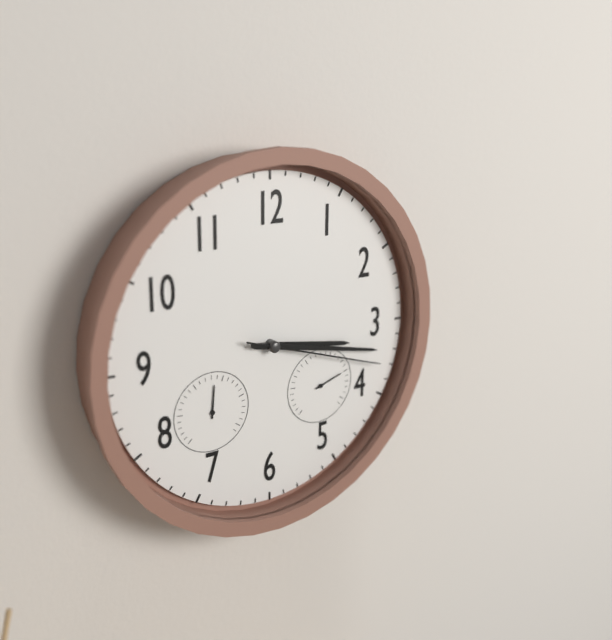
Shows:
3h17m18s
